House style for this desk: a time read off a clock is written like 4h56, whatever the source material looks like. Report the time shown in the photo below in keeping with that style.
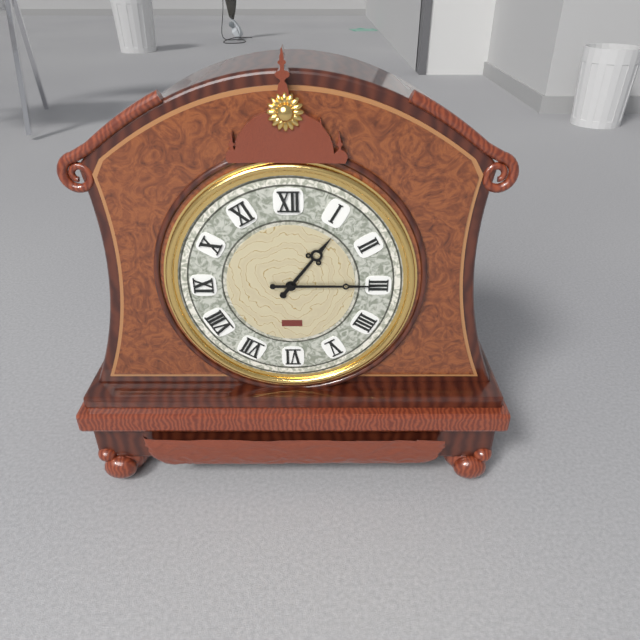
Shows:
1h15
